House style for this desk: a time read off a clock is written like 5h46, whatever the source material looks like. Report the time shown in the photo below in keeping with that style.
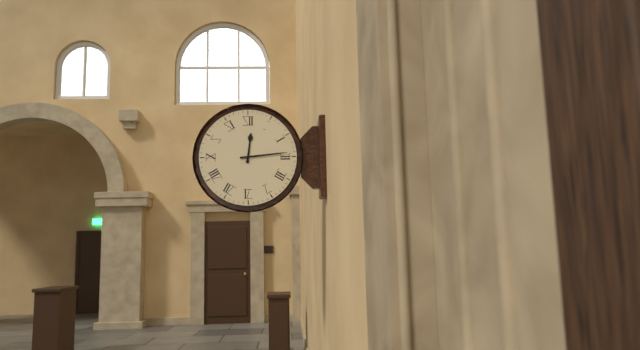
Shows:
12h14
